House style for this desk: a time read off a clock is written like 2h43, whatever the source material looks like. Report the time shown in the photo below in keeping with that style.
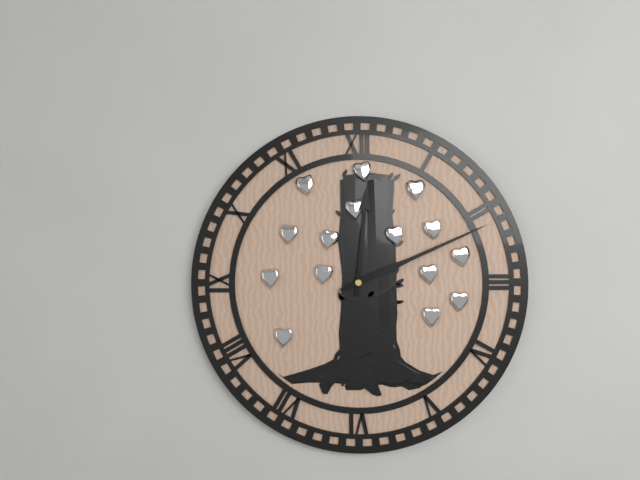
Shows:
12h11
